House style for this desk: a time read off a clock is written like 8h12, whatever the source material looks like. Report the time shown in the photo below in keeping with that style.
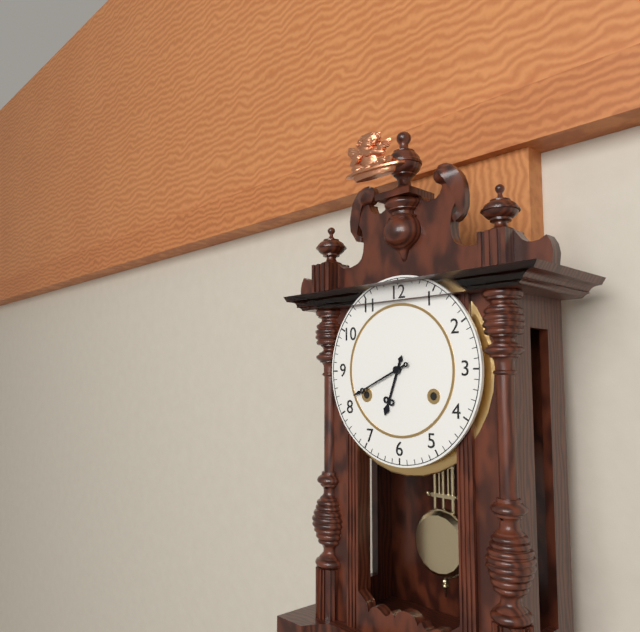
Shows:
6h41
